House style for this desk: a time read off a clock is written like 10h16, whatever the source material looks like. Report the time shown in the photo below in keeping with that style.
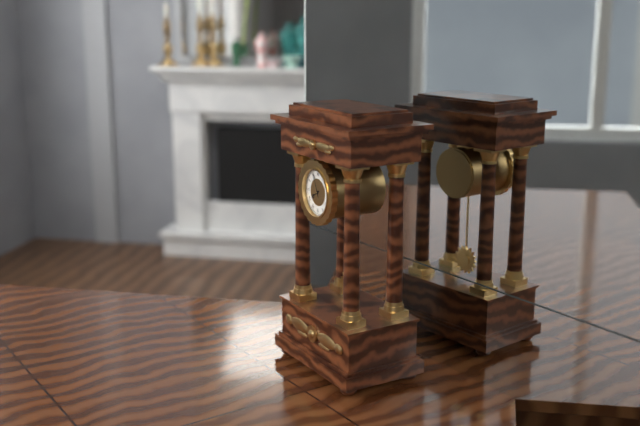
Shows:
7h56
